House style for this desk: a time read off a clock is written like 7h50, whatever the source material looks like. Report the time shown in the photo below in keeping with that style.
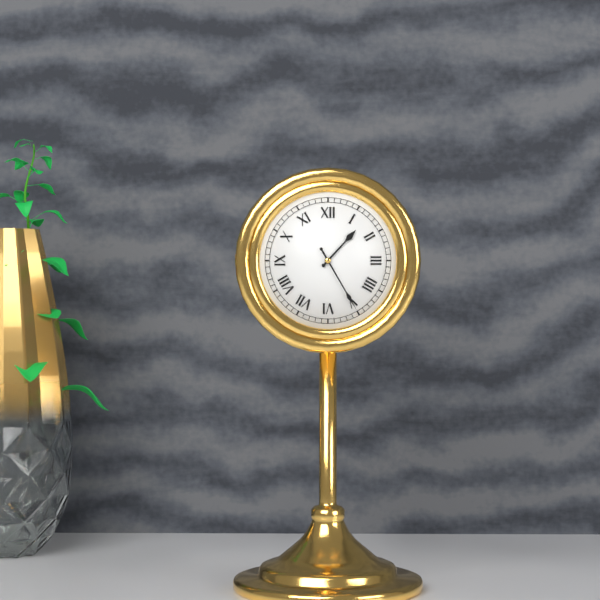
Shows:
1h25
